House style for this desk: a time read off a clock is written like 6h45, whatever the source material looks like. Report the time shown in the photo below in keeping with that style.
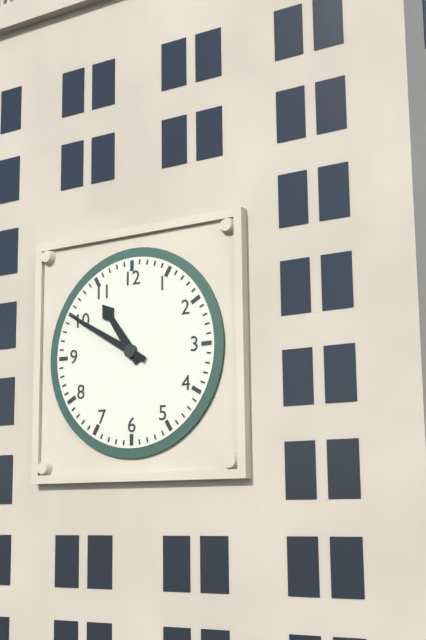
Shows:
10h50
